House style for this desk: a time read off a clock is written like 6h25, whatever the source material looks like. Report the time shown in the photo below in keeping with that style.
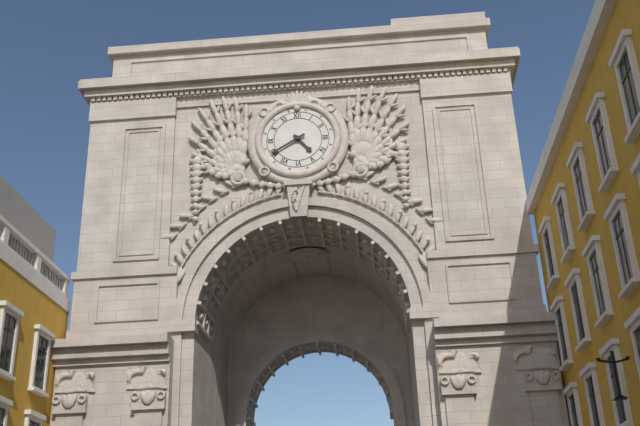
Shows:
4h40
